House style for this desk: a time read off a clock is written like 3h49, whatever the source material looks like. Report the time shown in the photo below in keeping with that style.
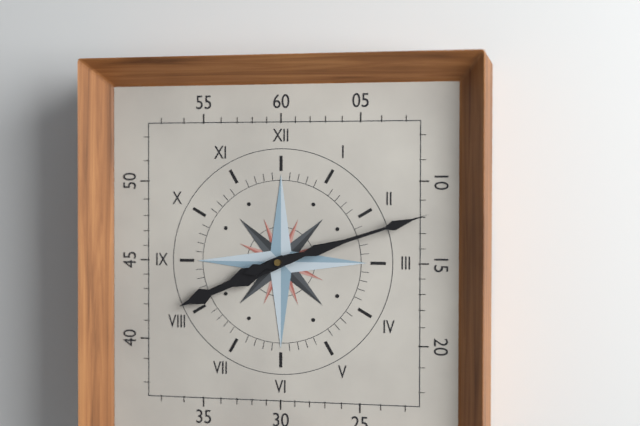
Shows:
8h12
